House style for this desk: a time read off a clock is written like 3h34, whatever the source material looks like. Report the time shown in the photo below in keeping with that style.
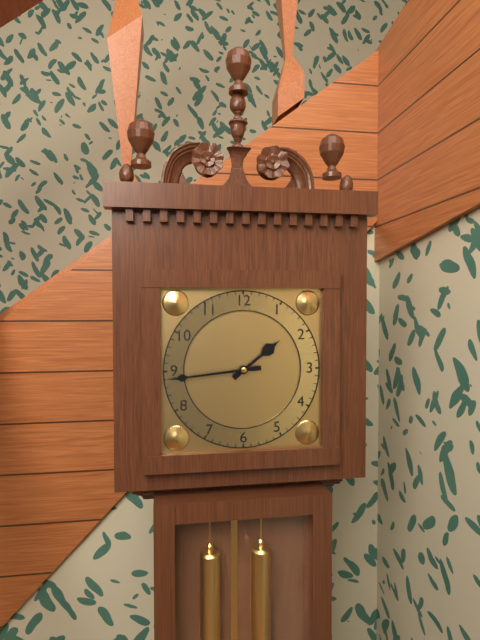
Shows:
1h44
